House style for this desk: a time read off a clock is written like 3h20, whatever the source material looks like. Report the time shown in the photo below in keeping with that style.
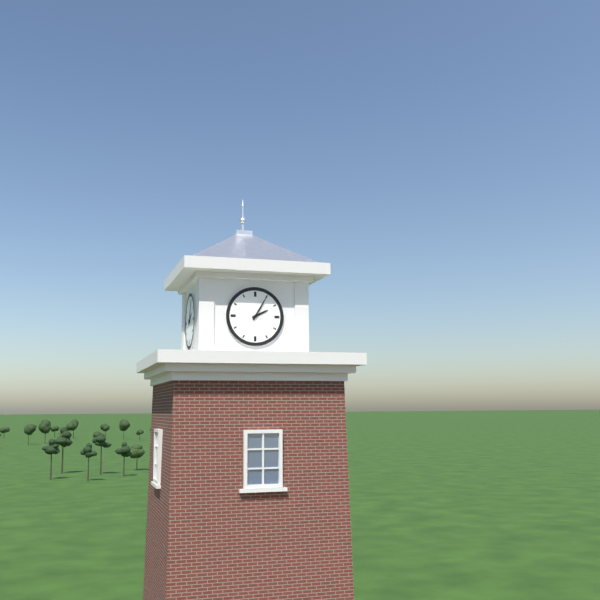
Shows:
2h05
